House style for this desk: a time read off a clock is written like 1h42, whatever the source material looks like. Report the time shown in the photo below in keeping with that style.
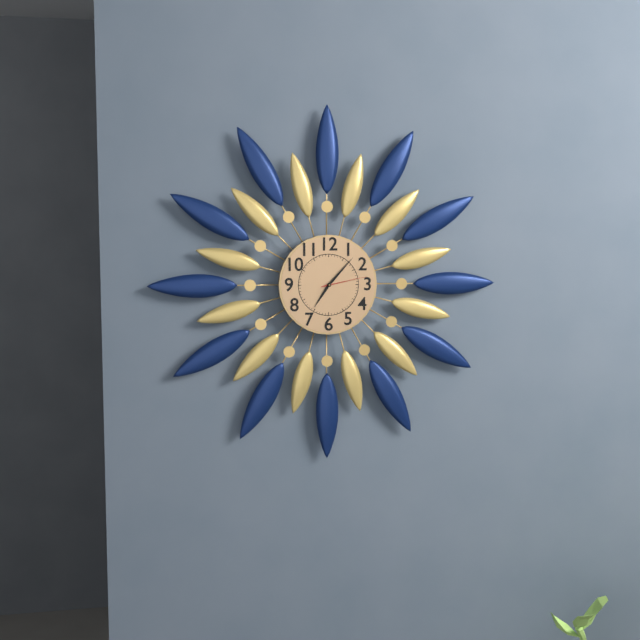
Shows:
7h07
